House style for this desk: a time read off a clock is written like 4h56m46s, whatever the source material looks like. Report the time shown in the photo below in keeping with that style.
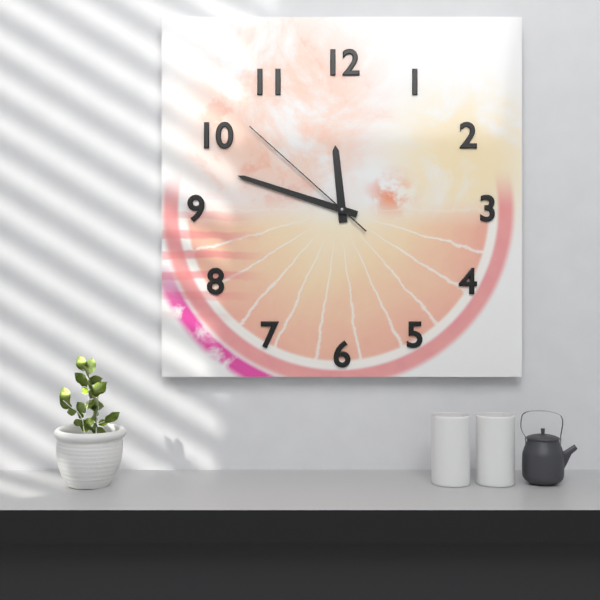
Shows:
11h48m52s
